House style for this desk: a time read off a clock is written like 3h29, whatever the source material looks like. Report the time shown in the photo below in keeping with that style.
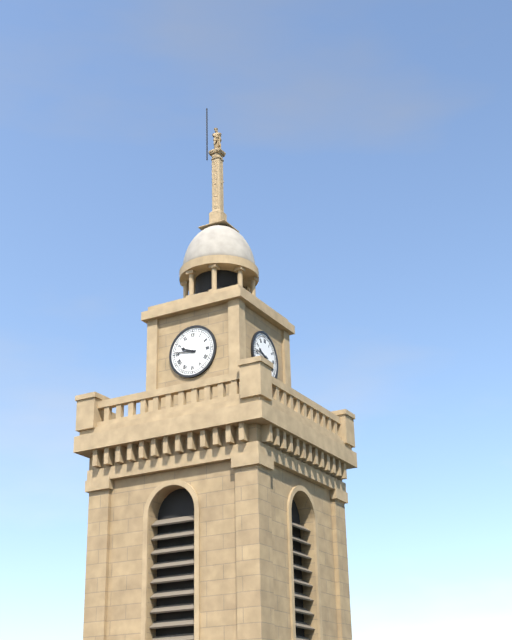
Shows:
9h46
